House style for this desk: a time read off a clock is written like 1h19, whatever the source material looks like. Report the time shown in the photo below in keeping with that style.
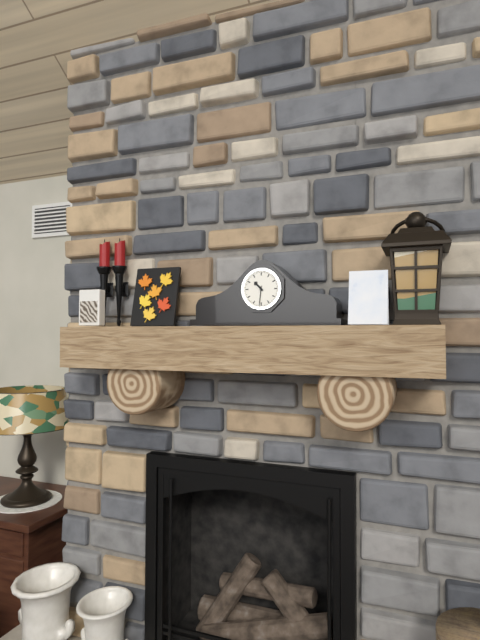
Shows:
10h31
